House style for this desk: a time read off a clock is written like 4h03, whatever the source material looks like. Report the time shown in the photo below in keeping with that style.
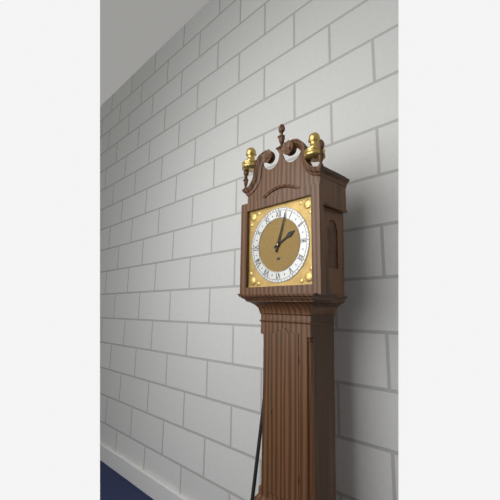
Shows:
2h03
